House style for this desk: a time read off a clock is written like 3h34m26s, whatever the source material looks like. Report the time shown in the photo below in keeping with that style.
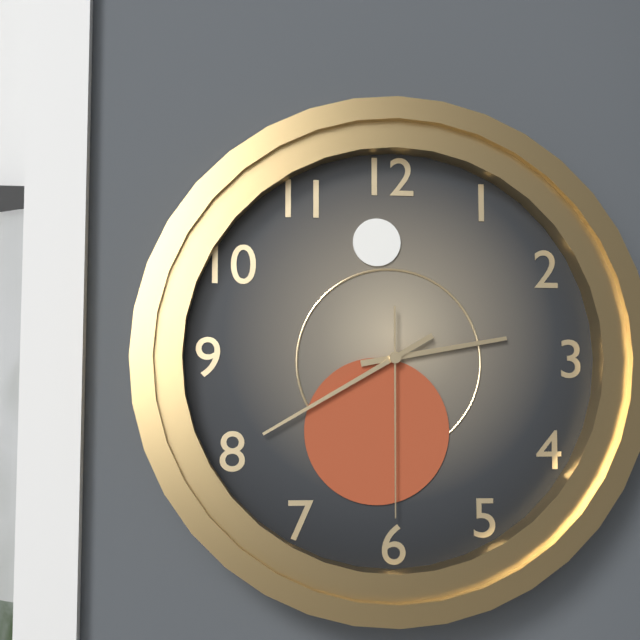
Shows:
2h40m30s
